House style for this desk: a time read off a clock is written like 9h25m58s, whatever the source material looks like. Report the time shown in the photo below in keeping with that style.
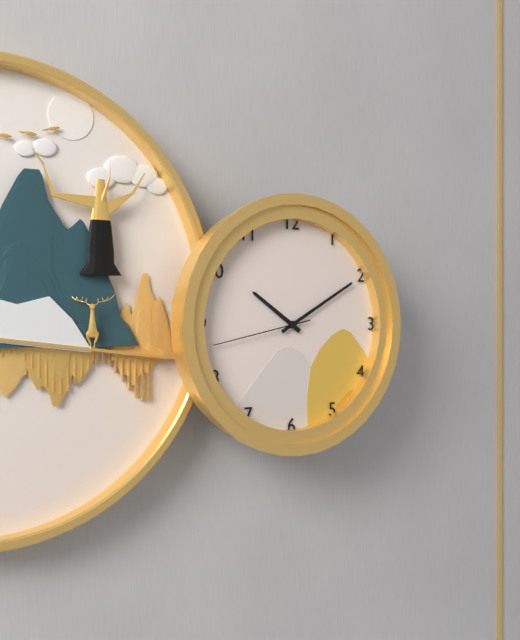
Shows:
10h10m43s
